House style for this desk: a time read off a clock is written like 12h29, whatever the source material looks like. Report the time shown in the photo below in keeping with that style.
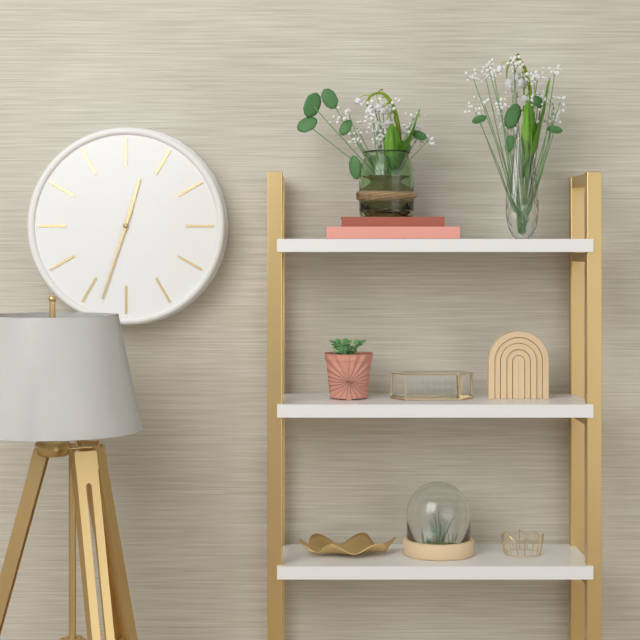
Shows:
12h33
